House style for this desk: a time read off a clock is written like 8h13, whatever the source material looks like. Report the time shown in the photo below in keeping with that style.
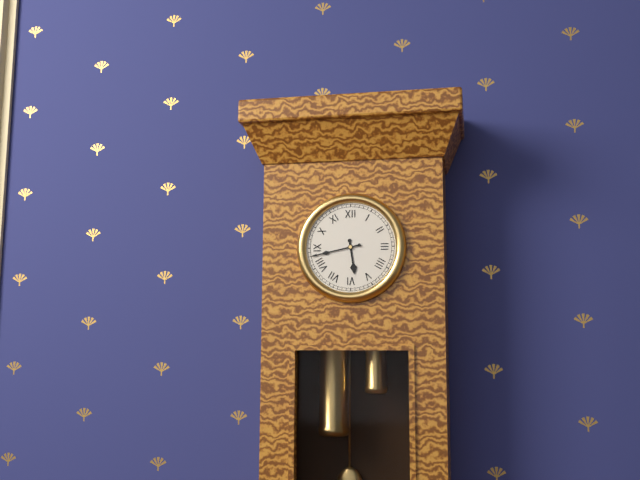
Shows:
5h43
